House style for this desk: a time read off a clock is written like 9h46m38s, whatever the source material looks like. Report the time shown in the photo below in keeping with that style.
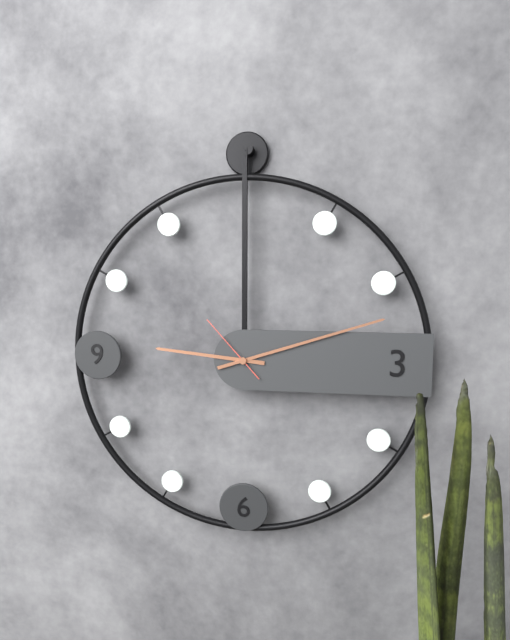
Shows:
9h12m53s
